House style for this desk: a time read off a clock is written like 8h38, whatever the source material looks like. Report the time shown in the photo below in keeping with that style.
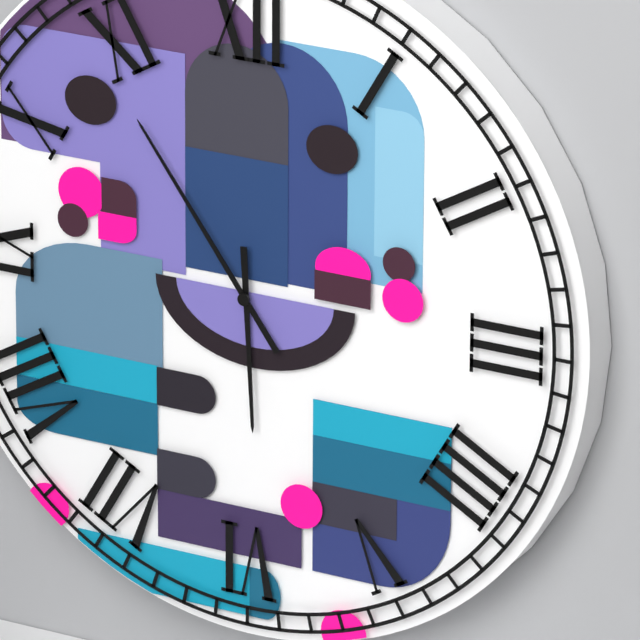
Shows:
5h54
